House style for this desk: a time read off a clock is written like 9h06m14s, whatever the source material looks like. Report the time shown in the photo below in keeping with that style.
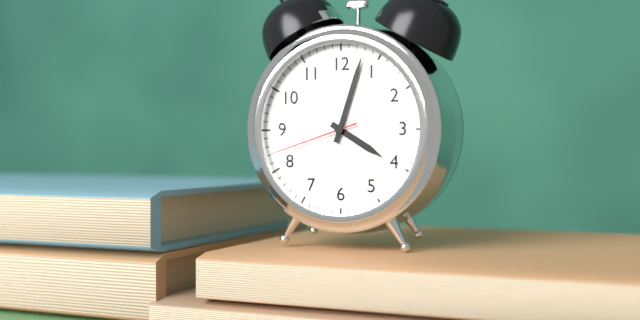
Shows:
4h03m42s
